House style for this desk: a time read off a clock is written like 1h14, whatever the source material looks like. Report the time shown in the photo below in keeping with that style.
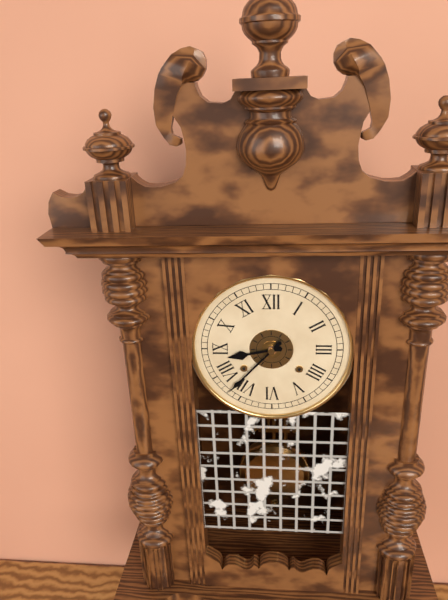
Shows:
8h37
